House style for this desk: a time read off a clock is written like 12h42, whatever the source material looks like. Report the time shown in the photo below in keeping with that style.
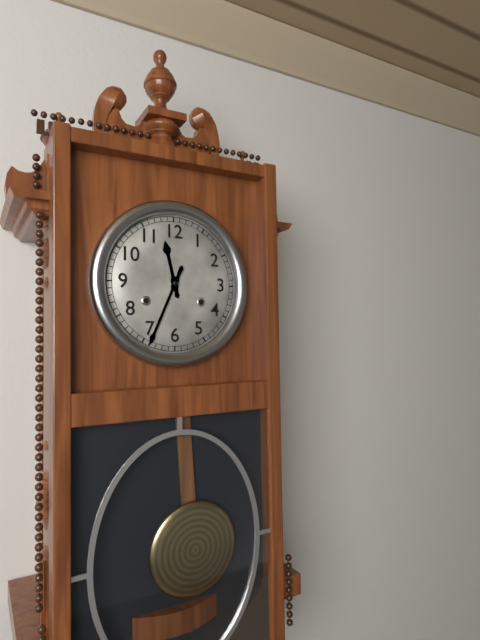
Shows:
11h34
